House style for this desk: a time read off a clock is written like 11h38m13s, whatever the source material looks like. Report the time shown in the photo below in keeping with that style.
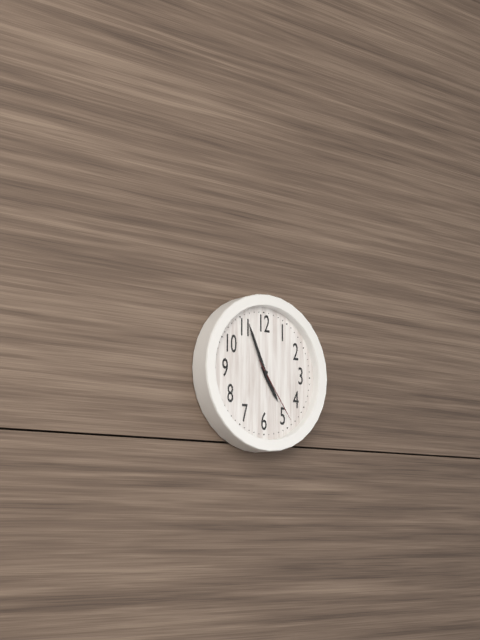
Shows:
4h56m24s
